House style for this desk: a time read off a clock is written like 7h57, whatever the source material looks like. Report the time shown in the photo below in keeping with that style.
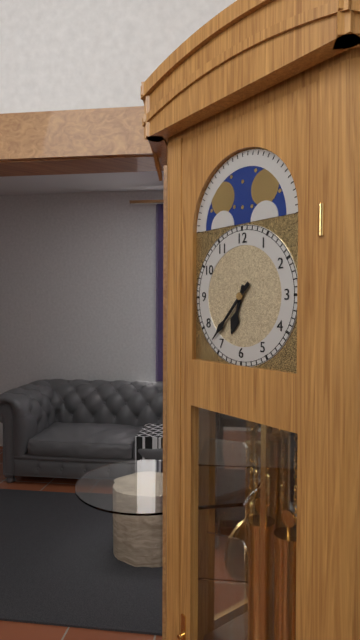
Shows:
6h37
